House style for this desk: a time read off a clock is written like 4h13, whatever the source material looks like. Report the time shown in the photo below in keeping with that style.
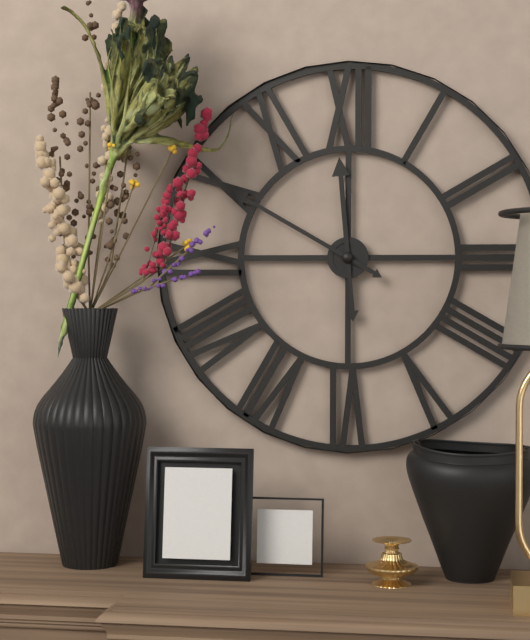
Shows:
11h50
